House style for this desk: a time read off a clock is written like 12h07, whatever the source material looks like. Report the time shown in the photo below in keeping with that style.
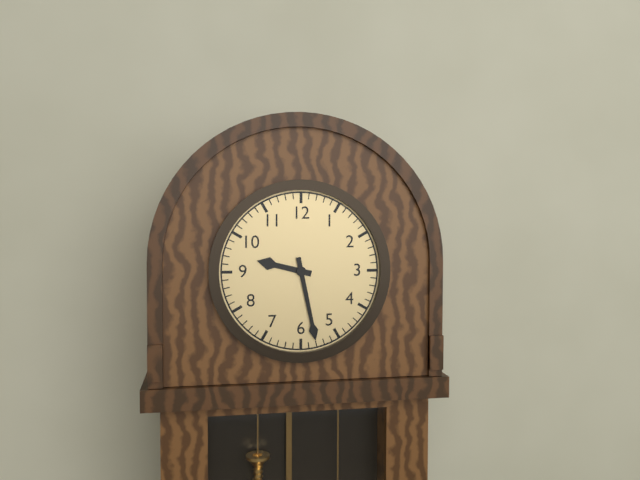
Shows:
9h28
